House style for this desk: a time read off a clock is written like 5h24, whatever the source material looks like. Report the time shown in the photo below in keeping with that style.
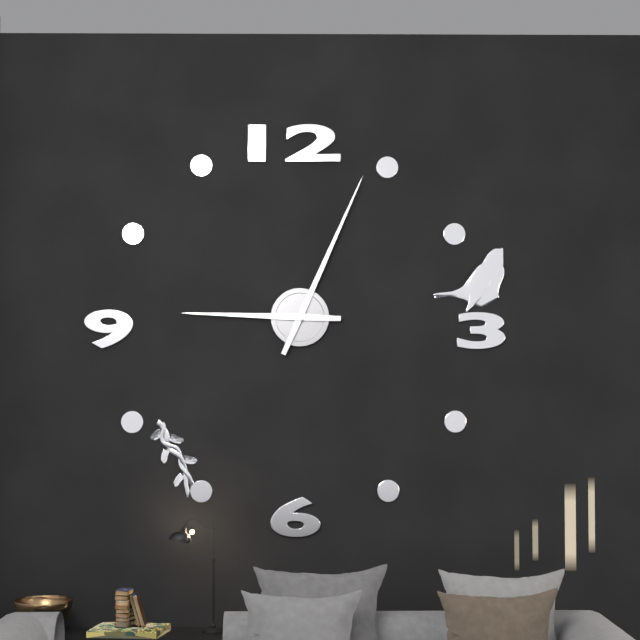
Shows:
9h04
